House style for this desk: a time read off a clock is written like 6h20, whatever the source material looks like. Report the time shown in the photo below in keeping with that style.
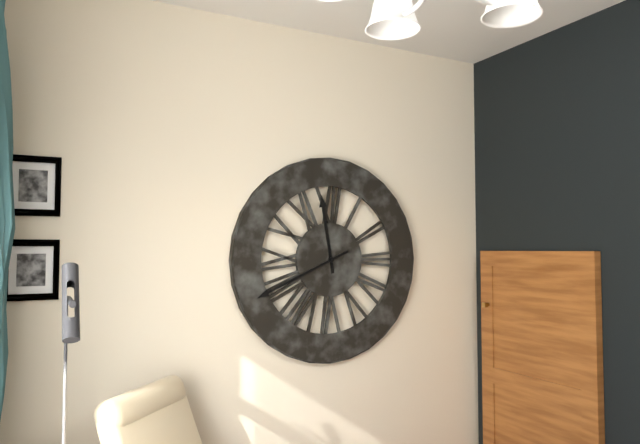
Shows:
11h41
